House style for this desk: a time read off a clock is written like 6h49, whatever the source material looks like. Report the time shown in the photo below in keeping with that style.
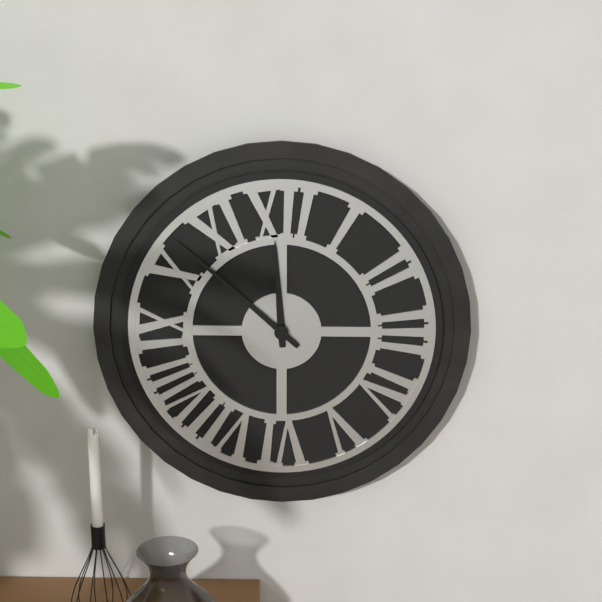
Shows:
11h52
